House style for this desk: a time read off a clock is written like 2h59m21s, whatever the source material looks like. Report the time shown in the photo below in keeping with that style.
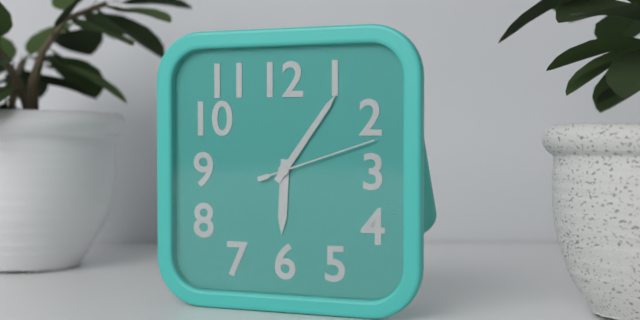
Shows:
6h06m12s
